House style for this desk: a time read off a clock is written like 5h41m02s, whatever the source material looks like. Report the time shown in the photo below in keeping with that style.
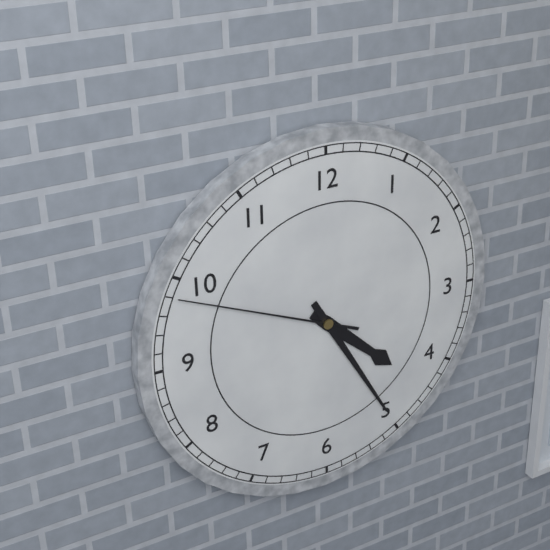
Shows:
4h25m49s
